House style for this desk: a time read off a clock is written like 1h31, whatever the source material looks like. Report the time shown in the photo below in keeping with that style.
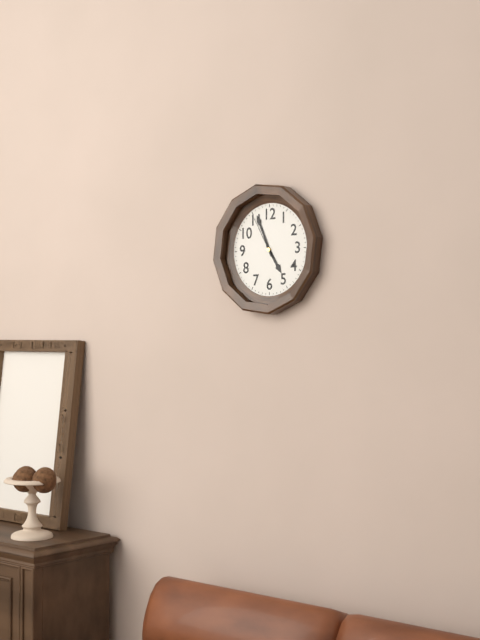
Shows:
4h56
